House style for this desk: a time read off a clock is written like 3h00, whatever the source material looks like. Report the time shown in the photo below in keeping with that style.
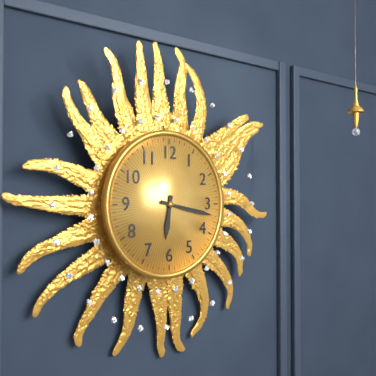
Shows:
6h17
